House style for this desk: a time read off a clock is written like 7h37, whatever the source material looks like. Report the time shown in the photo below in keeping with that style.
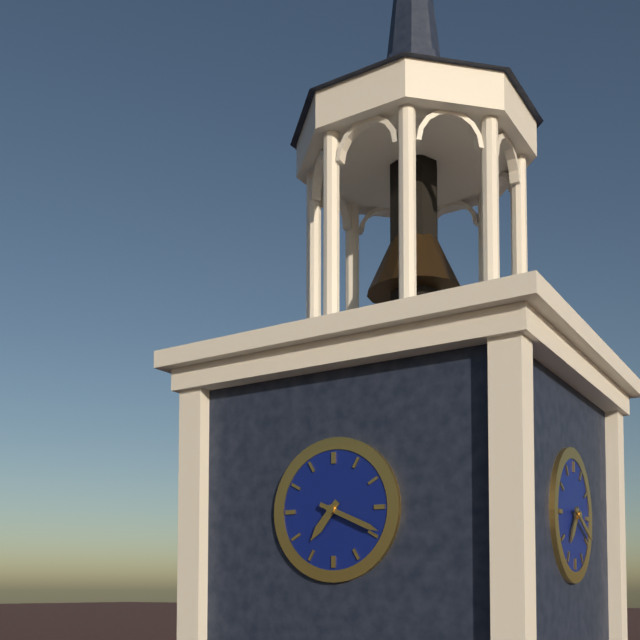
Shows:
7h19
